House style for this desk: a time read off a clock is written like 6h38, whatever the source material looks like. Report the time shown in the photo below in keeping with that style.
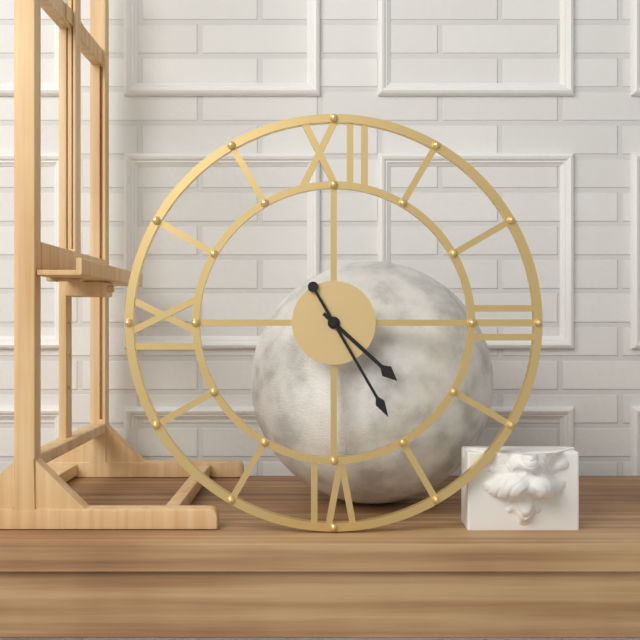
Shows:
4h25
